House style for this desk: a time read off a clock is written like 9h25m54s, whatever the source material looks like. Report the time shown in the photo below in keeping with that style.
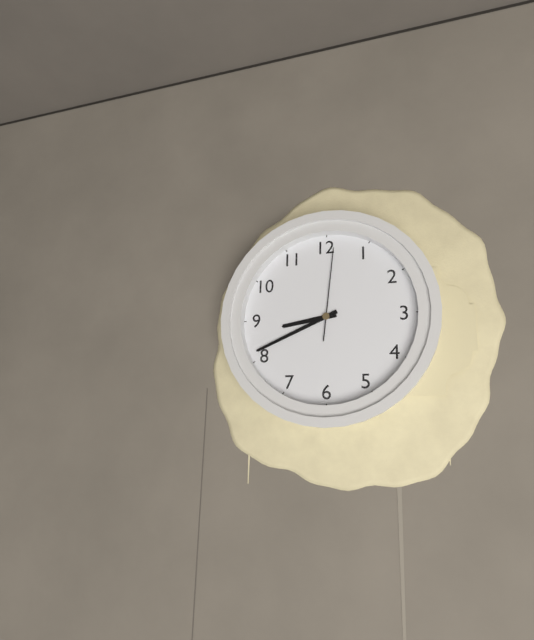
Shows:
8h41m01s
